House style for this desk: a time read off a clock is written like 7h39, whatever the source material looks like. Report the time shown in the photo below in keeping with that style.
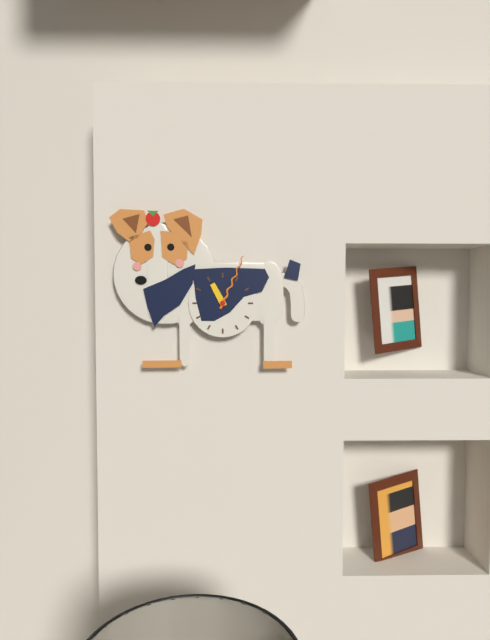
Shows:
11h04
